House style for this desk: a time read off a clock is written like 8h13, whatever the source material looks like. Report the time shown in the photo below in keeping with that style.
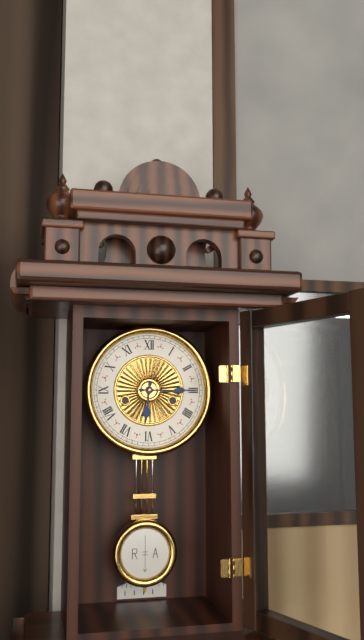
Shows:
6h15
